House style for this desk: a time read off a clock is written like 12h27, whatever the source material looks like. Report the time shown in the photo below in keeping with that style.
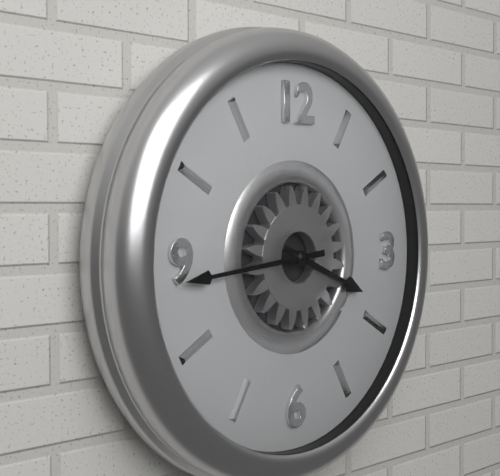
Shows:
3h44
